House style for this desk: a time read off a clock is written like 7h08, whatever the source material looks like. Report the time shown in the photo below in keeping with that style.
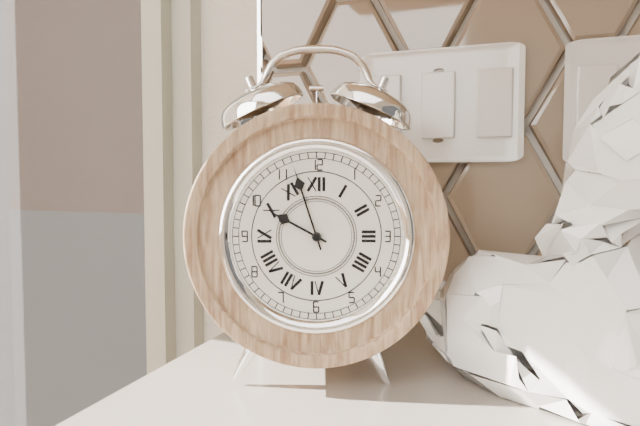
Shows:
9h57
